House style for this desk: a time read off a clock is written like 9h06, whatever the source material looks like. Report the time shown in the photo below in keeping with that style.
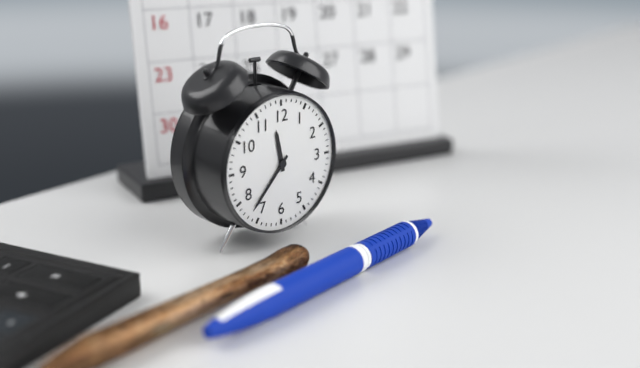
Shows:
11h37
